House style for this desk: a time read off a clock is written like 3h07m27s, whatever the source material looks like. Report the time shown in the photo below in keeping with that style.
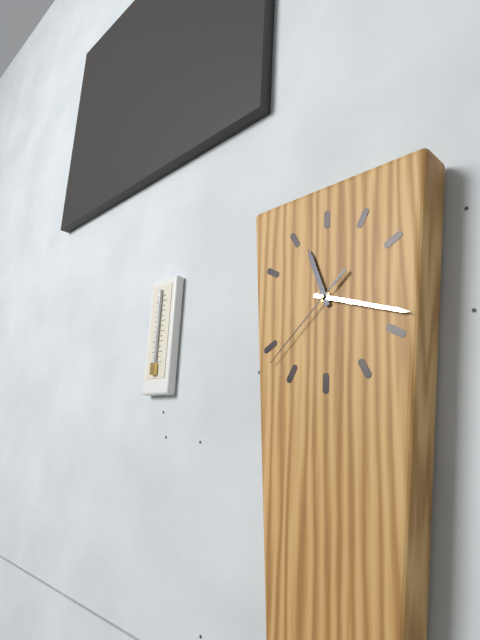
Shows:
11h18m38s
